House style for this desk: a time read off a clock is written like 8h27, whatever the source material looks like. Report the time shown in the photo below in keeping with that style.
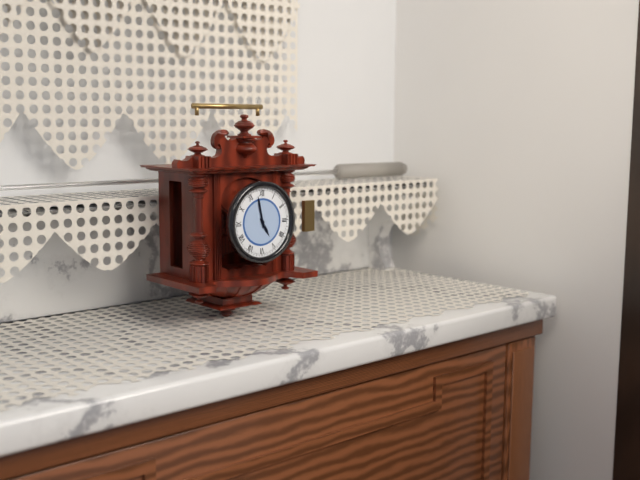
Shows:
4h58
